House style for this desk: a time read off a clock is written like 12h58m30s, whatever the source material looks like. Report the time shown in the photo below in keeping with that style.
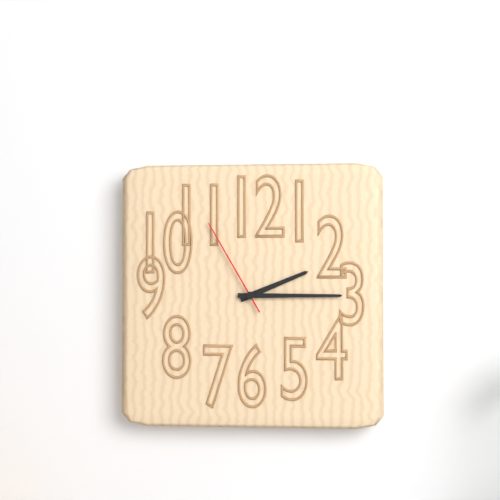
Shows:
2h15m55s
